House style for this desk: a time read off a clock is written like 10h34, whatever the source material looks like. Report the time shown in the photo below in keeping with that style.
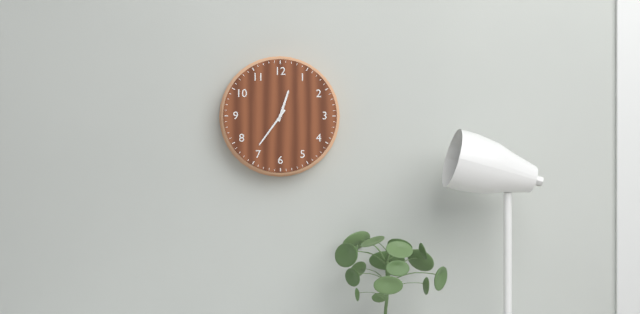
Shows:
12h36
